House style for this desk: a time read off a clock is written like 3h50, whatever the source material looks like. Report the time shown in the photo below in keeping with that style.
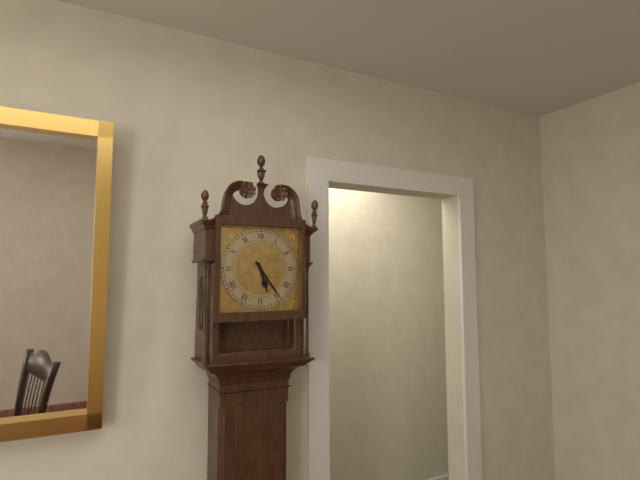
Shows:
5h24
